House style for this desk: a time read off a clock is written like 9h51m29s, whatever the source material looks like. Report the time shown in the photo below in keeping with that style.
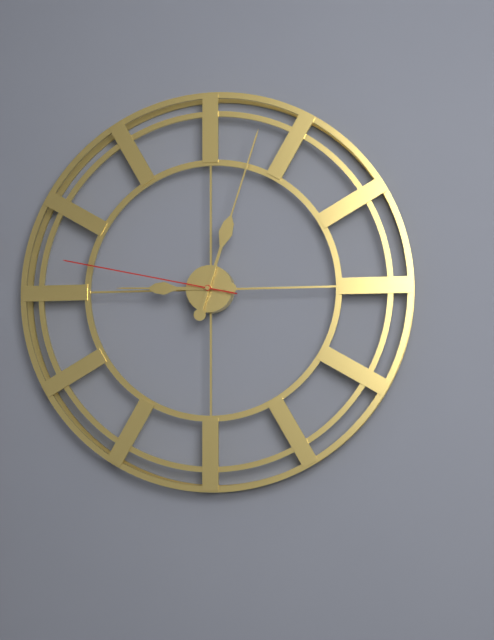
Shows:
9h03m47s
